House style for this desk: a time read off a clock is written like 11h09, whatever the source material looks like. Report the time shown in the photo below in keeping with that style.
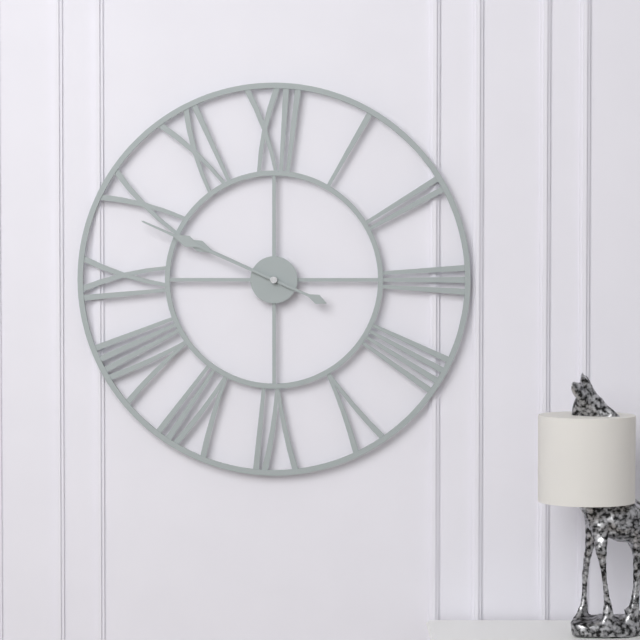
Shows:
9h49
